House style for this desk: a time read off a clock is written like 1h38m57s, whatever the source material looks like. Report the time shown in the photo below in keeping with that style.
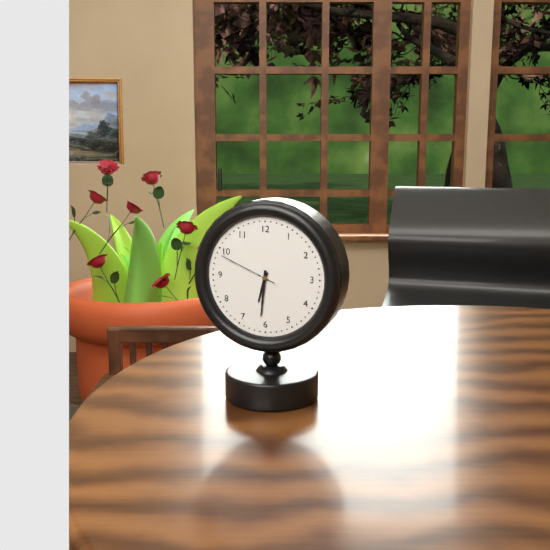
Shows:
6h31m49s
